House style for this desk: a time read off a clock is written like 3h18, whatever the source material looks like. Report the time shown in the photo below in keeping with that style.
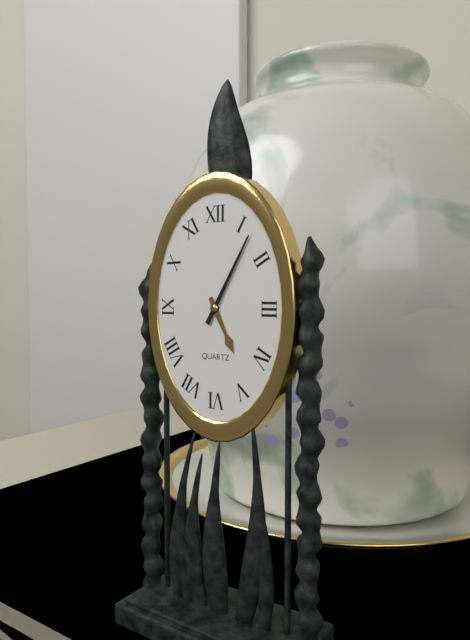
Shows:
5h05
